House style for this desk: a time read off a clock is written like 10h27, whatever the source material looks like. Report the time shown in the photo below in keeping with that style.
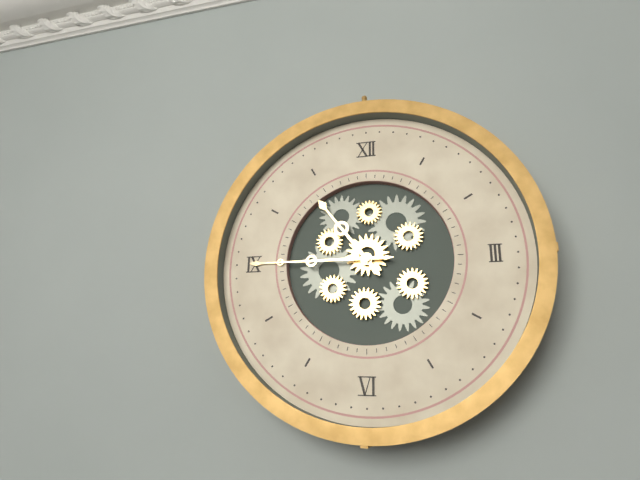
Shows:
10h45
